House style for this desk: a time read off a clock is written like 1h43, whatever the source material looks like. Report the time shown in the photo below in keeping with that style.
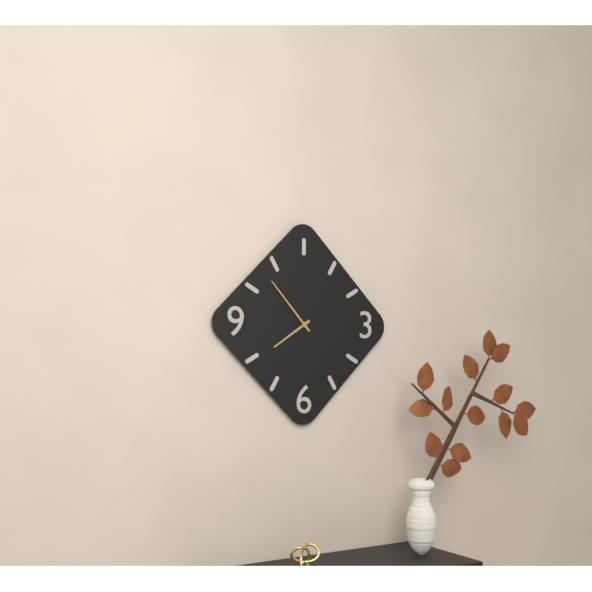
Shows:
7h53
